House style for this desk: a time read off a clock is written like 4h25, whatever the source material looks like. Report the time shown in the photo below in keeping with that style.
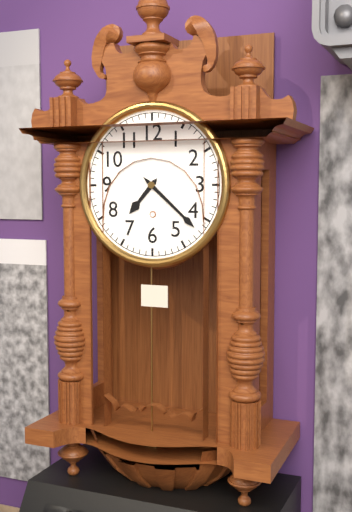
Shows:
7h22
